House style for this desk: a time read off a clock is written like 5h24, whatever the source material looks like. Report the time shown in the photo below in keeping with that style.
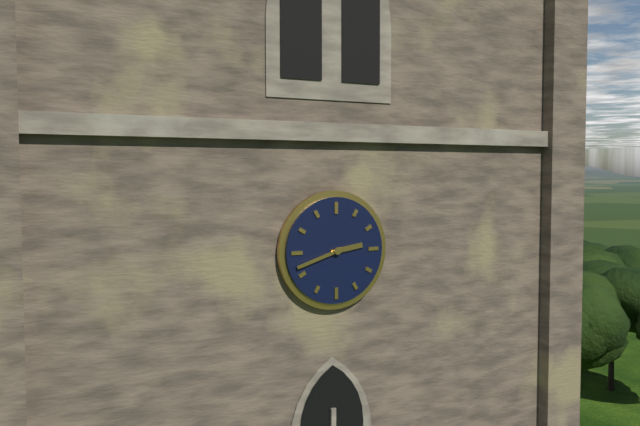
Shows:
2h42
